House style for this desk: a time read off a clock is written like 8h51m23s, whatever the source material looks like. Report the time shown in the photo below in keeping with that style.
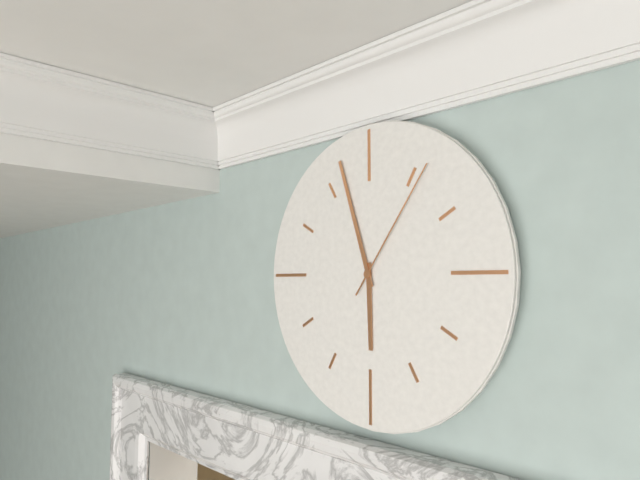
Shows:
5h57m06s
